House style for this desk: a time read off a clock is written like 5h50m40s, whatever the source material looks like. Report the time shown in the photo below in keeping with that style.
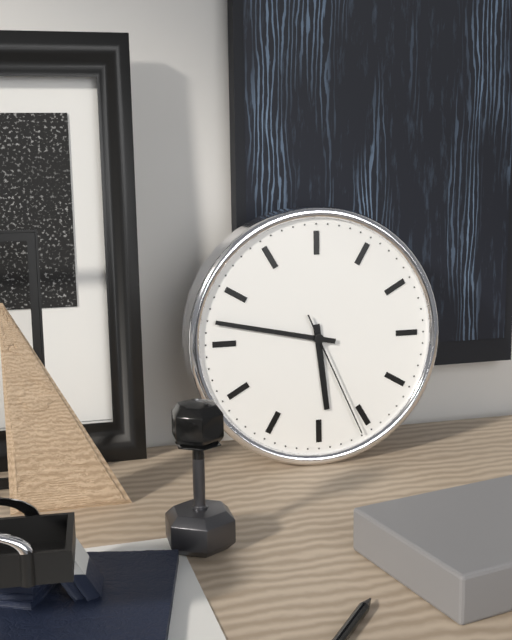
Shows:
5h47m26s
